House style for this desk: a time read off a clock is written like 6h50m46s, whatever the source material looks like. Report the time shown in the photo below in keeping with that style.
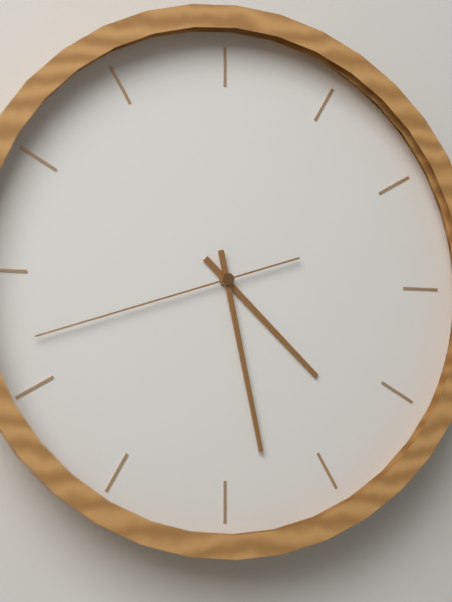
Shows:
4h28m42s
